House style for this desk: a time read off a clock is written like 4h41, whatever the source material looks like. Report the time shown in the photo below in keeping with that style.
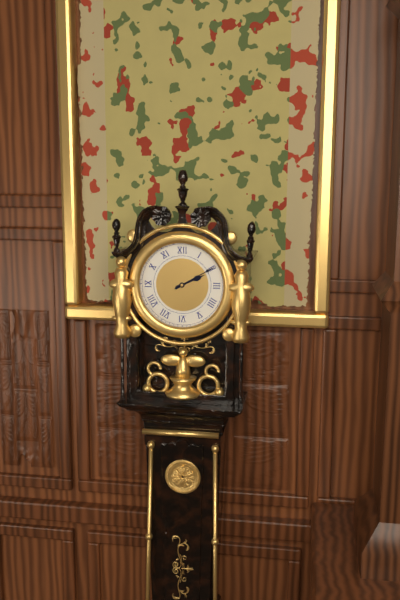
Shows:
2h10
